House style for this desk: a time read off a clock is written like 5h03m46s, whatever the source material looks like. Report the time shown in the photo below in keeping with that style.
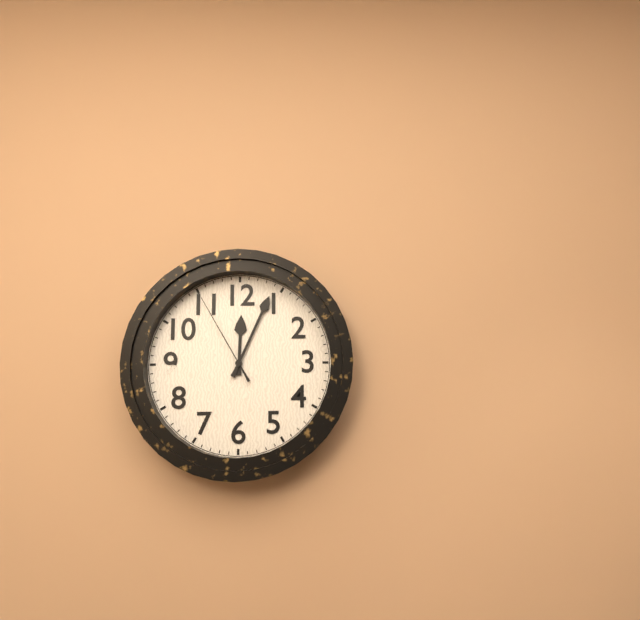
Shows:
12h04m55s
